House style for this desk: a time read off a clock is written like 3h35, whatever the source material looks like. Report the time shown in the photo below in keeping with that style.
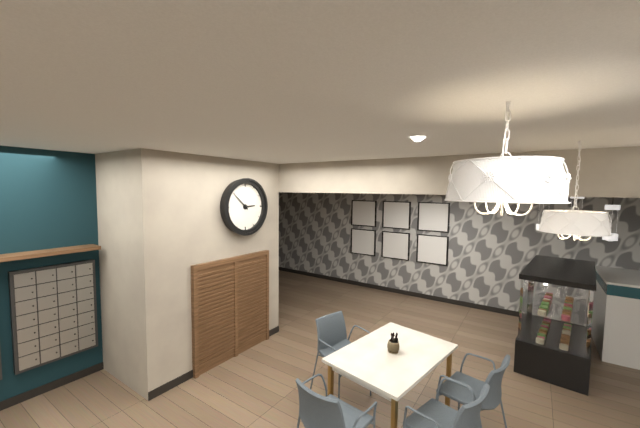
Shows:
2h52
